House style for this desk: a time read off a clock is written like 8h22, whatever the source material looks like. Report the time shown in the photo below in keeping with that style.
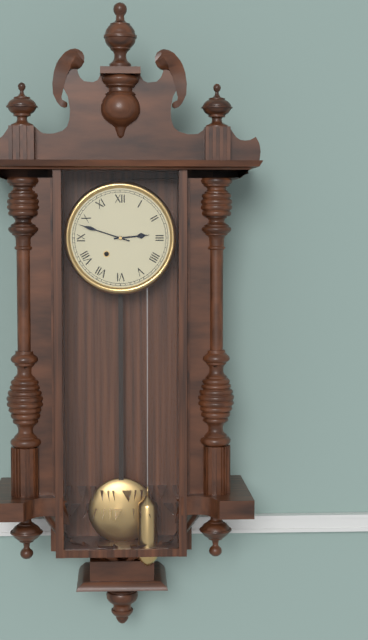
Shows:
2h48
